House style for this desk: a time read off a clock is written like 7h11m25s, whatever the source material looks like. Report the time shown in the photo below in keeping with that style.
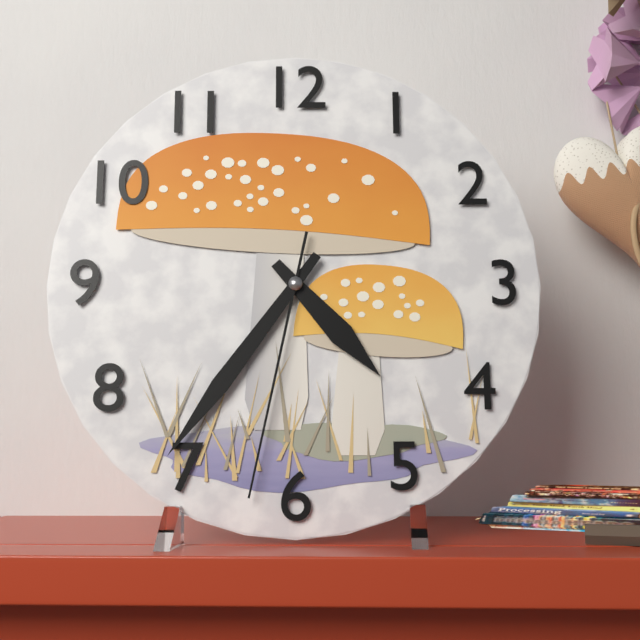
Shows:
4h36m32s
